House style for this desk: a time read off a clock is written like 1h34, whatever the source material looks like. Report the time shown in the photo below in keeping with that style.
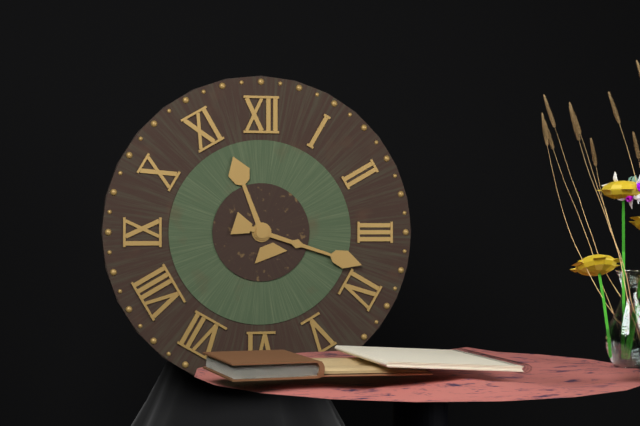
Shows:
11h18
